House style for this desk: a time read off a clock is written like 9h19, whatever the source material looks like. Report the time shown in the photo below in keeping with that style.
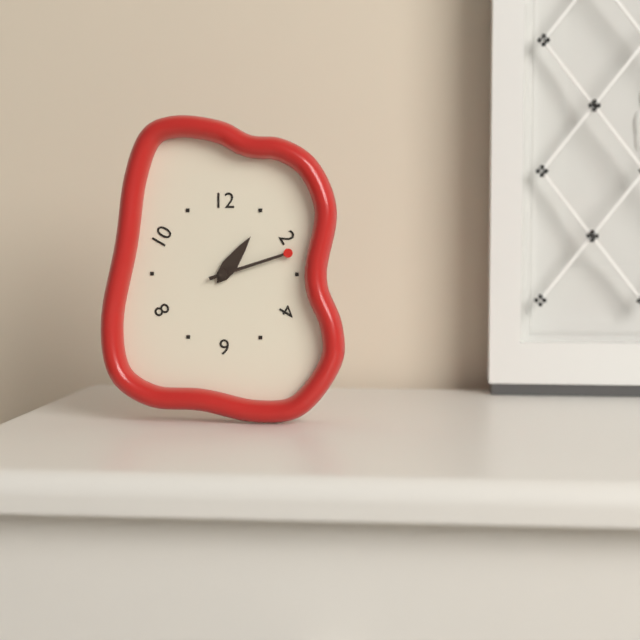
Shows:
1h12
